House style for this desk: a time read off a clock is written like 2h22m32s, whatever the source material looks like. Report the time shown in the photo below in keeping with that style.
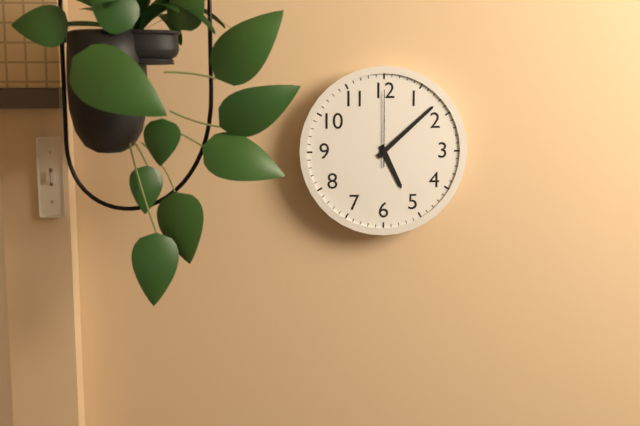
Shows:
5h08m00s
